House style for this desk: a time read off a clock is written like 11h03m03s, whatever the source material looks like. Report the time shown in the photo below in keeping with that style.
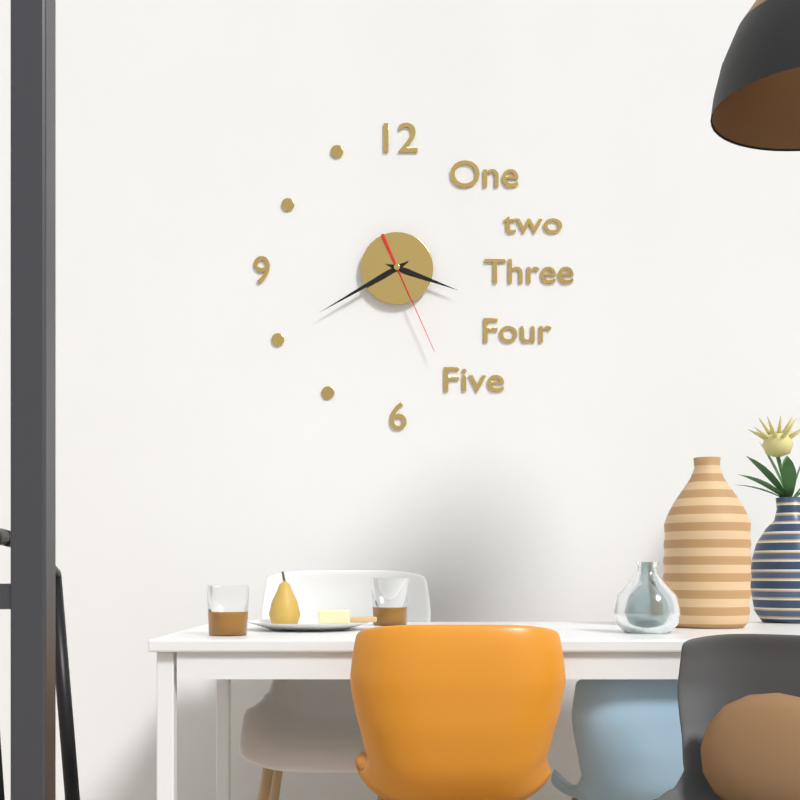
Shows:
3h40m26s
